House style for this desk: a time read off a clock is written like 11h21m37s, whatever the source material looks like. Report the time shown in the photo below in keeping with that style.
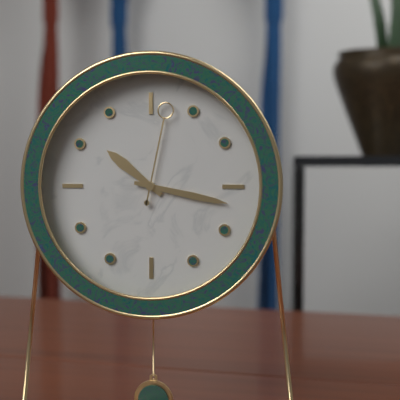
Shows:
10h17m02s
